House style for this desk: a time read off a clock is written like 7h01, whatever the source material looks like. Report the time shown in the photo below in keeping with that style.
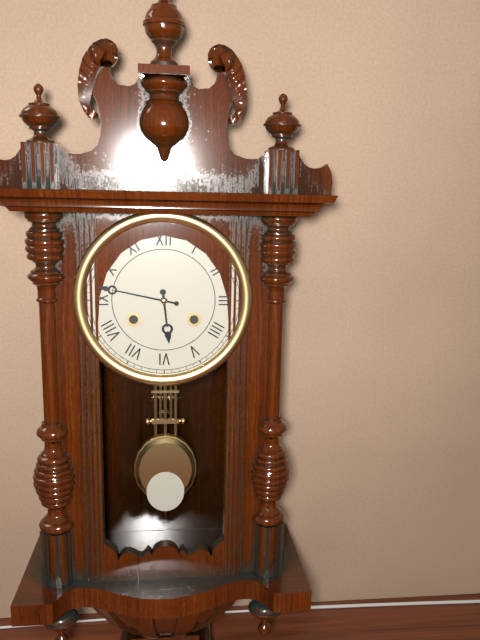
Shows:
5h47
